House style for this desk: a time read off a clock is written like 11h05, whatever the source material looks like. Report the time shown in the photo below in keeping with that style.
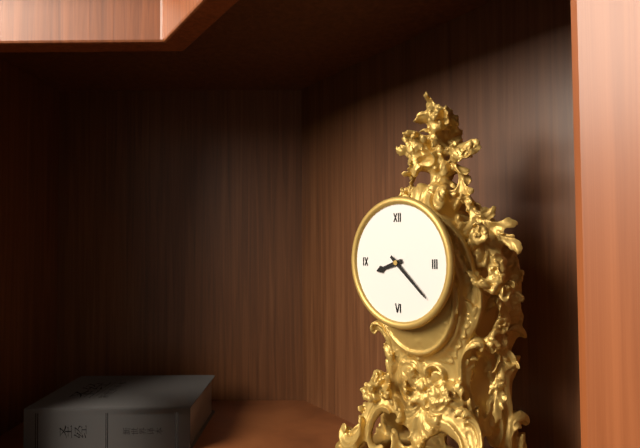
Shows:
8h22
